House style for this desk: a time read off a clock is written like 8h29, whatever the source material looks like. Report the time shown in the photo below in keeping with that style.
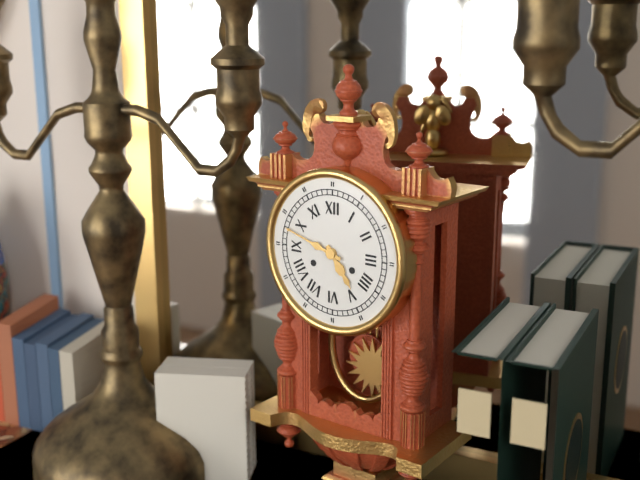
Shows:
4h48
